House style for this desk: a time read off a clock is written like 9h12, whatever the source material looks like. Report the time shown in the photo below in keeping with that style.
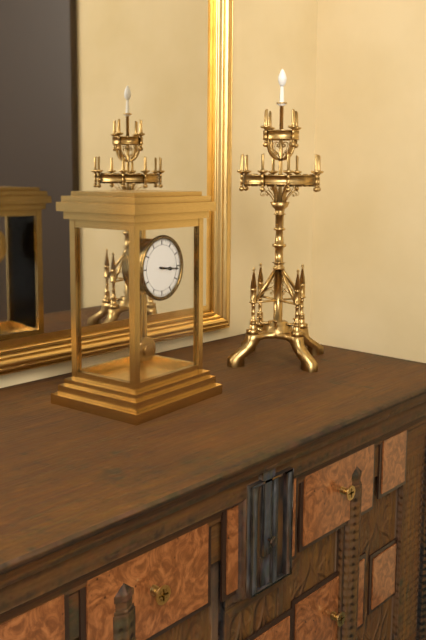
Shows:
3h16
